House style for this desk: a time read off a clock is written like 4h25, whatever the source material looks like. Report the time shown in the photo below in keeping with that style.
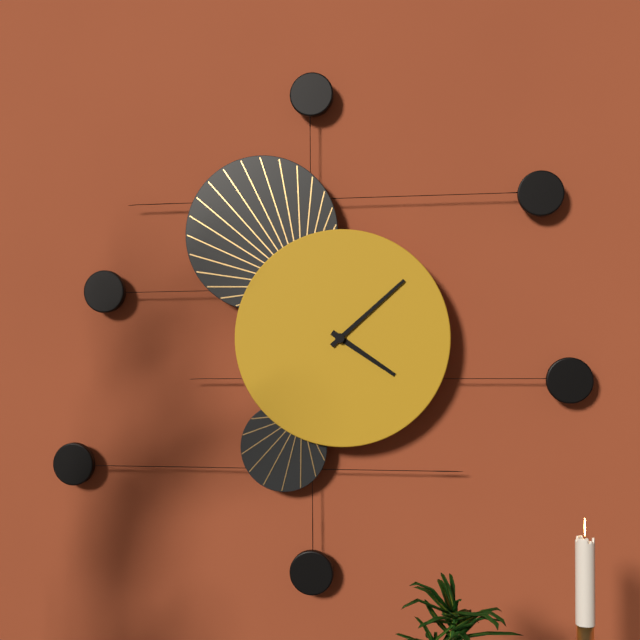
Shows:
4h08
